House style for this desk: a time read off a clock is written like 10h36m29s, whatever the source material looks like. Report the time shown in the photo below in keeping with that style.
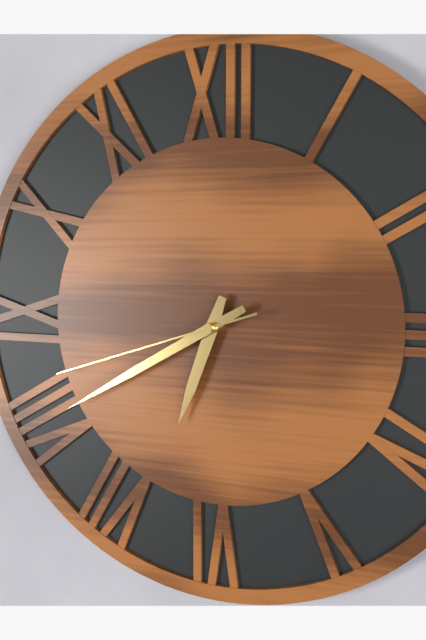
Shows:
6h40m42s
